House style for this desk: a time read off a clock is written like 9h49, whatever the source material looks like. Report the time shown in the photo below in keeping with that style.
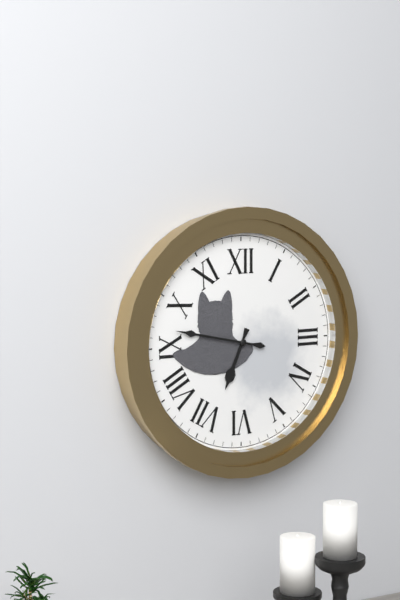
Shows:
6h47
